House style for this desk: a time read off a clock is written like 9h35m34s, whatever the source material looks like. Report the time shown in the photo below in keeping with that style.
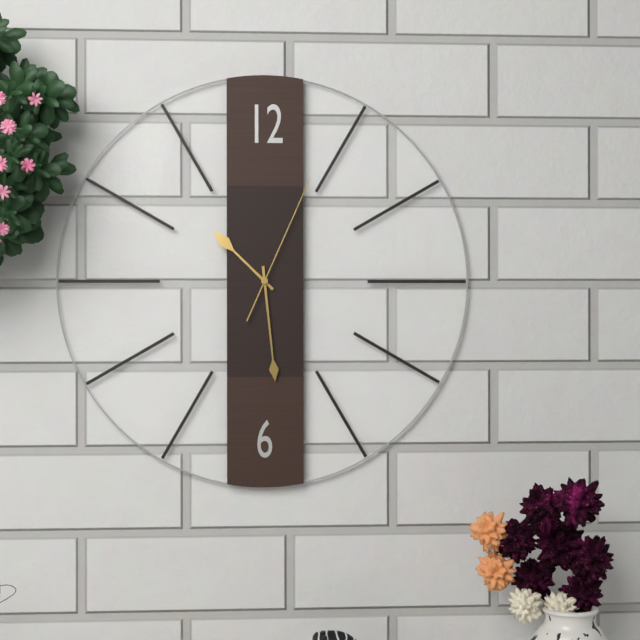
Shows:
10h29m04s
